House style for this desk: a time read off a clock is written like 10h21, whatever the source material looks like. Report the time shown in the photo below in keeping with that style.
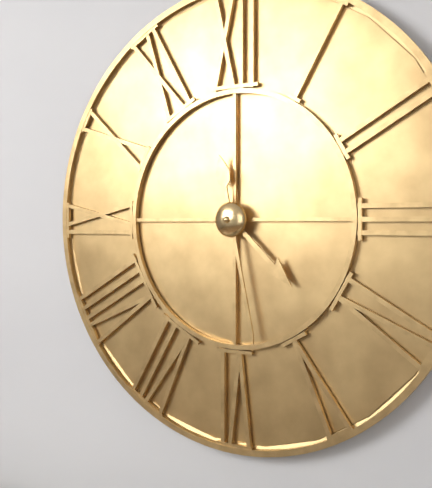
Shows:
4h28
